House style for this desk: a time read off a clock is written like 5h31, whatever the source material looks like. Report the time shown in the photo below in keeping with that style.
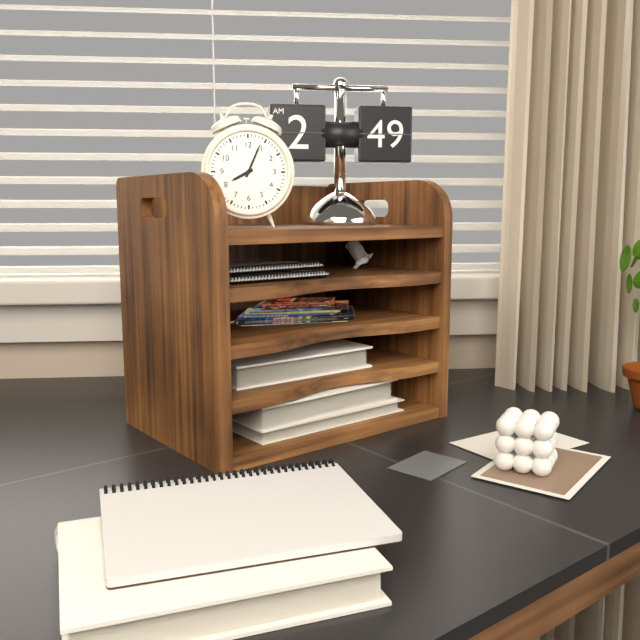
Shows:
8h04
